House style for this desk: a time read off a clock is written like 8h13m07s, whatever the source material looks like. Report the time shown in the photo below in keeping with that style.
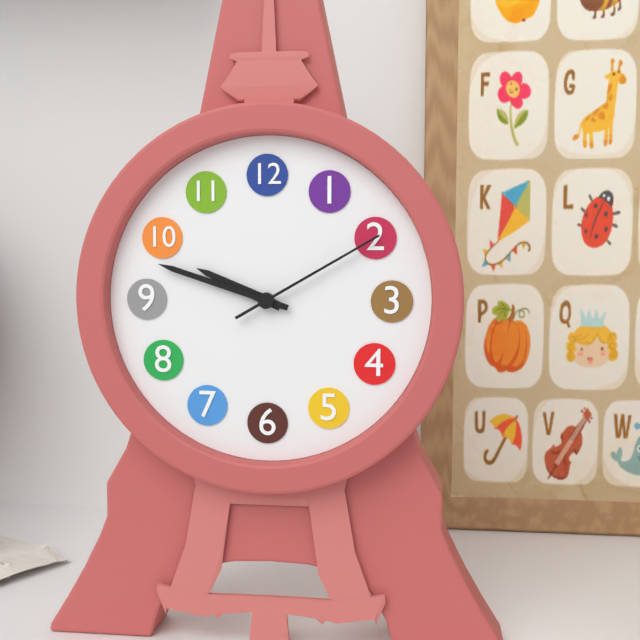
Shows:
9h48m10s
